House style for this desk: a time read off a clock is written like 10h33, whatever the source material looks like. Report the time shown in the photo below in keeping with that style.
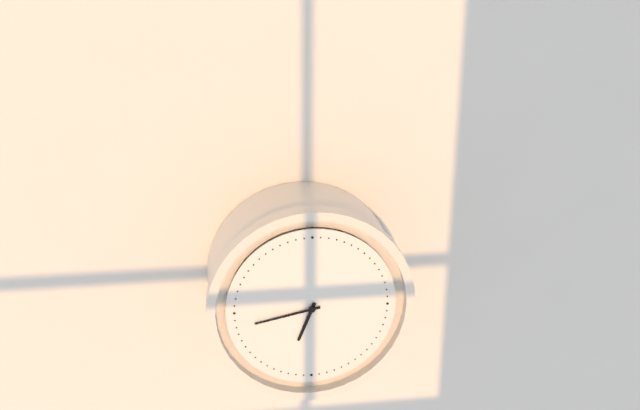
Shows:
6h43
